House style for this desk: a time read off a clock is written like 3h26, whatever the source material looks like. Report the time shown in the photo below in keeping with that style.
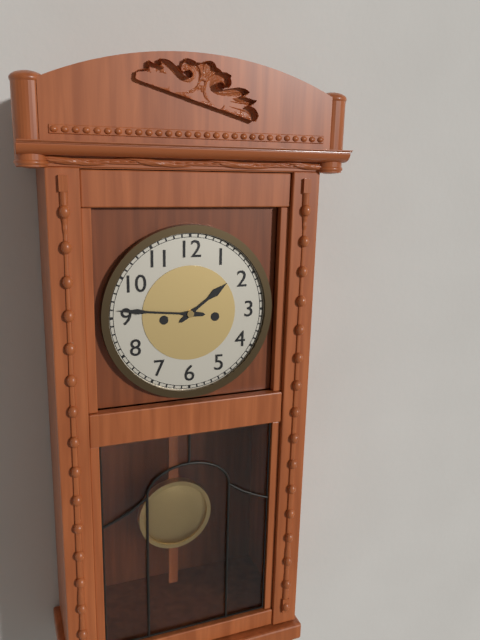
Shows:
1h46
